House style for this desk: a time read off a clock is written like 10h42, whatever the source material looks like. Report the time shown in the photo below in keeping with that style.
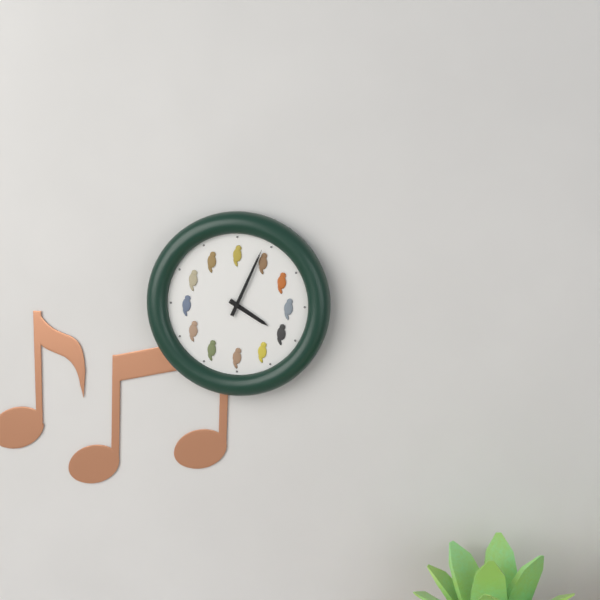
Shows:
4h04
